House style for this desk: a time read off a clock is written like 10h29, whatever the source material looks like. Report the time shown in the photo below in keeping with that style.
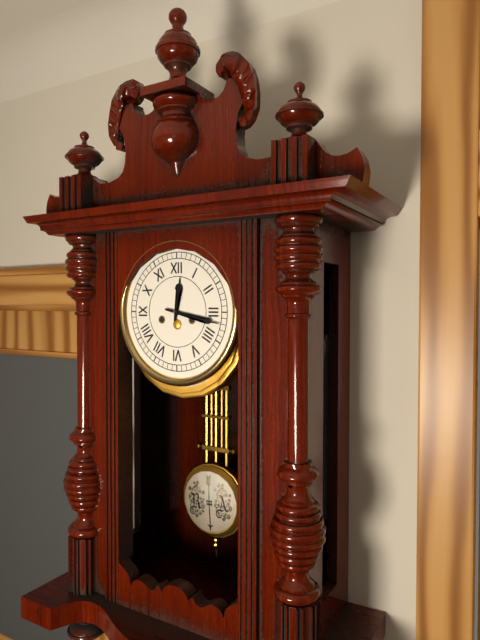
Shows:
12h17
